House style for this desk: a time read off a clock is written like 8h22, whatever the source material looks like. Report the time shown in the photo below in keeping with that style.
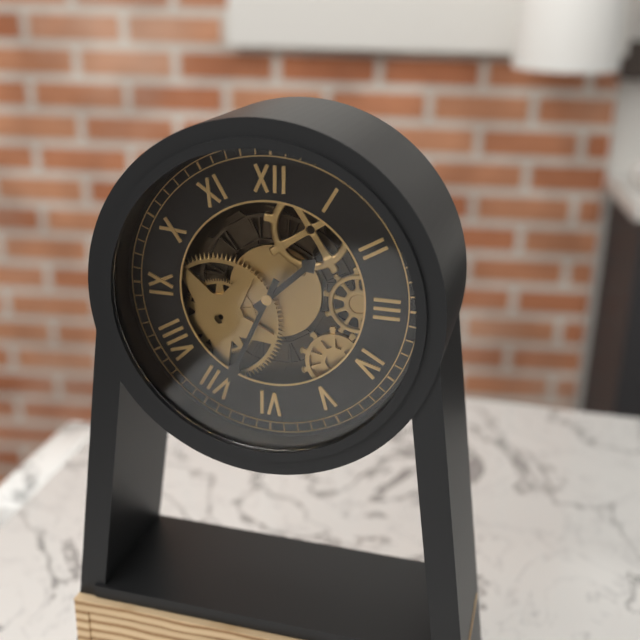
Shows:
1h34
